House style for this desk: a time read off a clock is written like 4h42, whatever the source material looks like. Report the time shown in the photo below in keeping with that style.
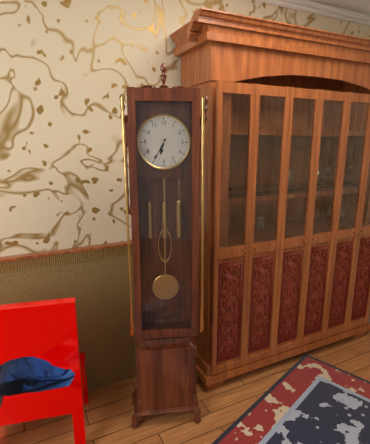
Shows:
6h35
